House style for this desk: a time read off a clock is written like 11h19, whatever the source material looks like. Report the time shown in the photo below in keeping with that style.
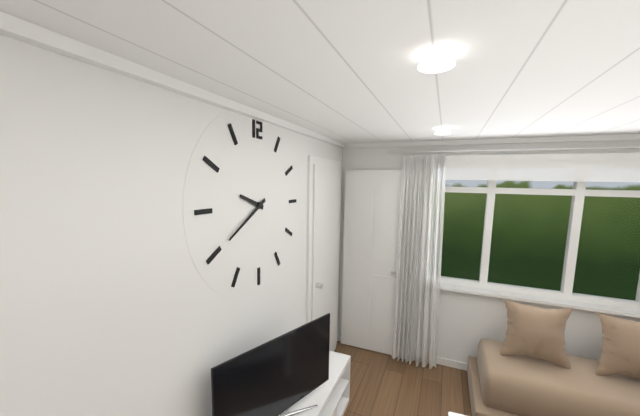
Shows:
9h40
